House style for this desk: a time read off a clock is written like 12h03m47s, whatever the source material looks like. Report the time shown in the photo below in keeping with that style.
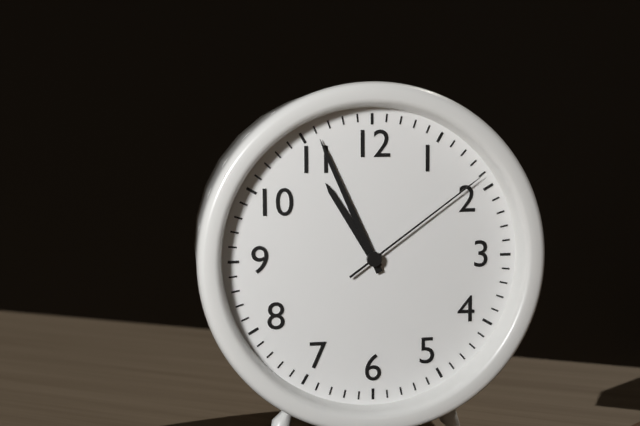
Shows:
10h56m09s
